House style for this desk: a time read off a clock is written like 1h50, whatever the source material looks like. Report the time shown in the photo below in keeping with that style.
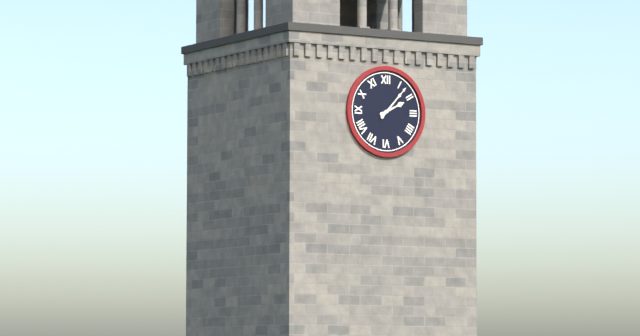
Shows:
2h07
